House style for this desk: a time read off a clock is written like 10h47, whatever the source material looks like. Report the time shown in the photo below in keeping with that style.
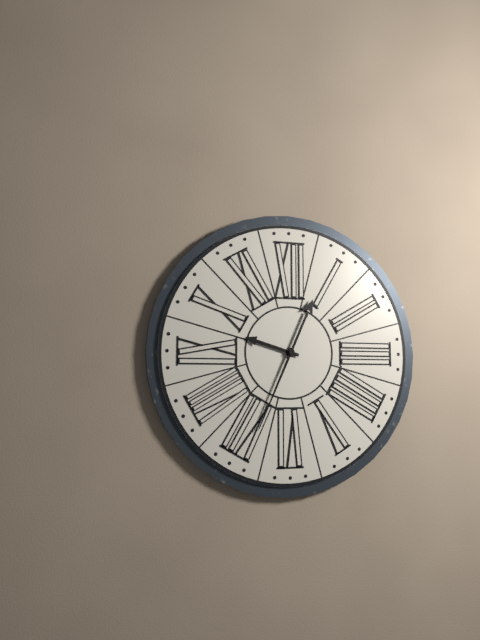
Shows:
9h34
